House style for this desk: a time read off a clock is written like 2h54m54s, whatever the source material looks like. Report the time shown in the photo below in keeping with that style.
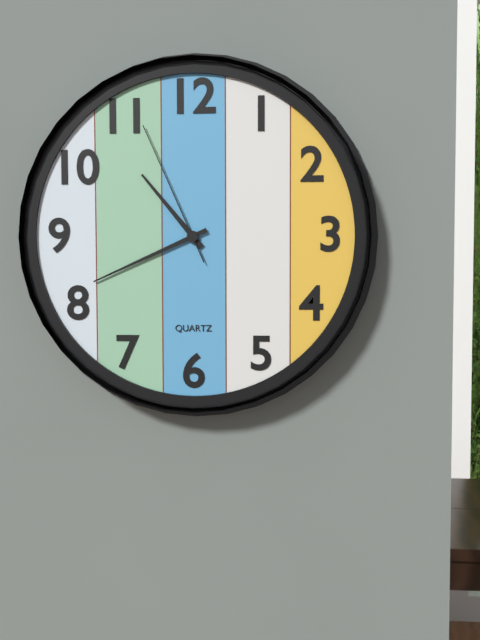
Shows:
10h41m56s
